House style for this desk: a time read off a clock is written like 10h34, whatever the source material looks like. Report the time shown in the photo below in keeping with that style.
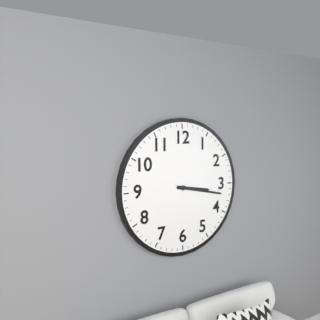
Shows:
3h17
